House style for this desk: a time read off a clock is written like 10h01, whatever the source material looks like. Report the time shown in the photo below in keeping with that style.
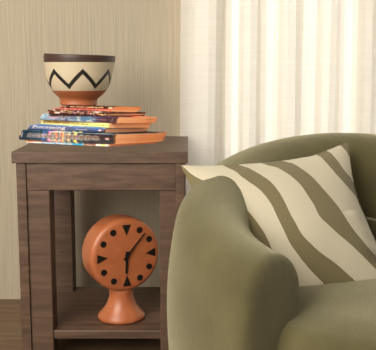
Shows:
6h07
